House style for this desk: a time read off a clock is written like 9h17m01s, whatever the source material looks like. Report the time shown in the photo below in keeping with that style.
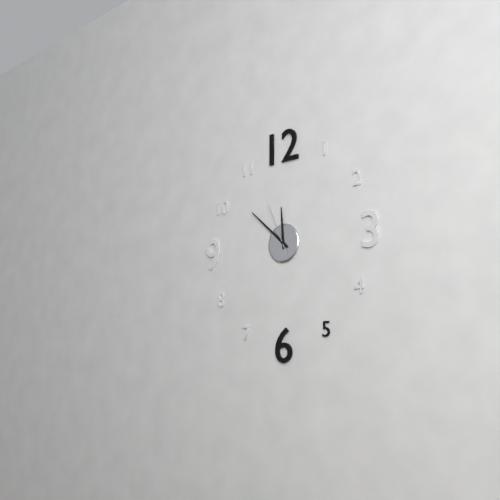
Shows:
11h52m56s
